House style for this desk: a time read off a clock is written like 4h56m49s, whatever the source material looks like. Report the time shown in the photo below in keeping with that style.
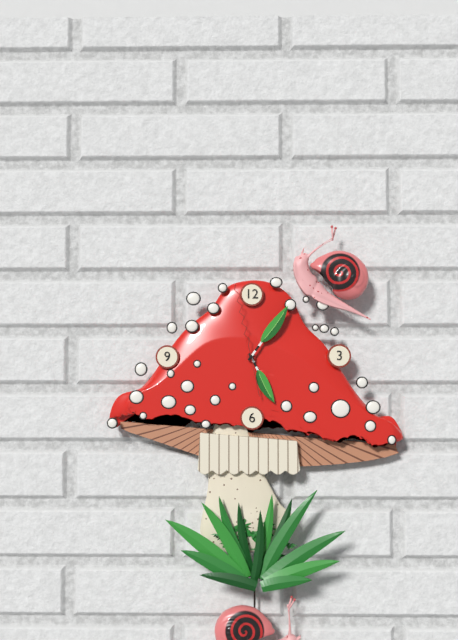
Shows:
5h06m58s
